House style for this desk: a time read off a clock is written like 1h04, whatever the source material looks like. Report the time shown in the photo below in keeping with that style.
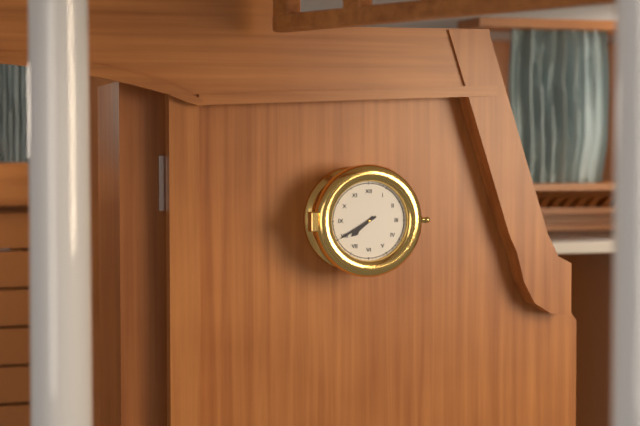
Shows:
7h40
